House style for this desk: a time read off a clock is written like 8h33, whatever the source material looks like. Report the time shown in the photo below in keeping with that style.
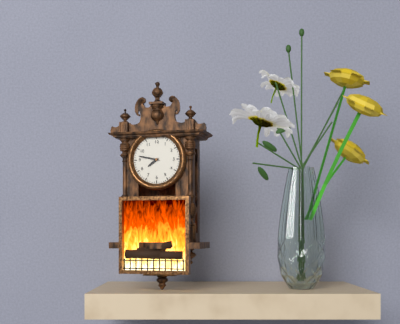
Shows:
7h47
